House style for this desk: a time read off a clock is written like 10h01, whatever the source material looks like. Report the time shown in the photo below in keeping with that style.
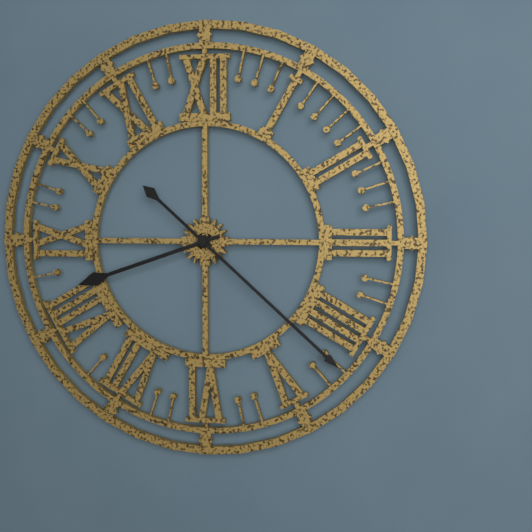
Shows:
8h22
